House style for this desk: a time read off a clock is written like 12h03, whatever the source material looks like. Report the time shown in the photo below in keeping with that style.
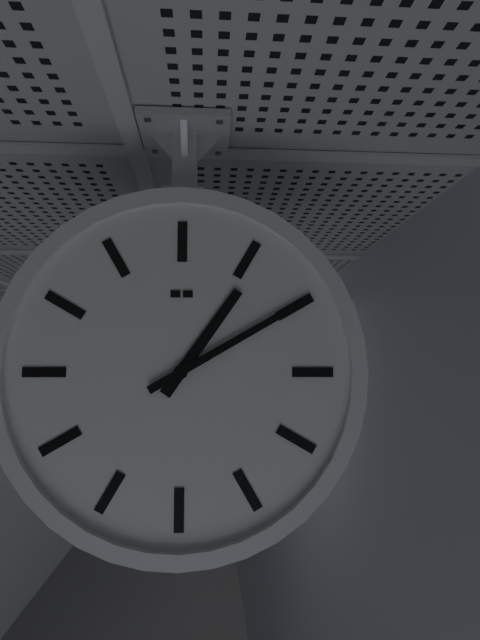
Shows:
1h10
